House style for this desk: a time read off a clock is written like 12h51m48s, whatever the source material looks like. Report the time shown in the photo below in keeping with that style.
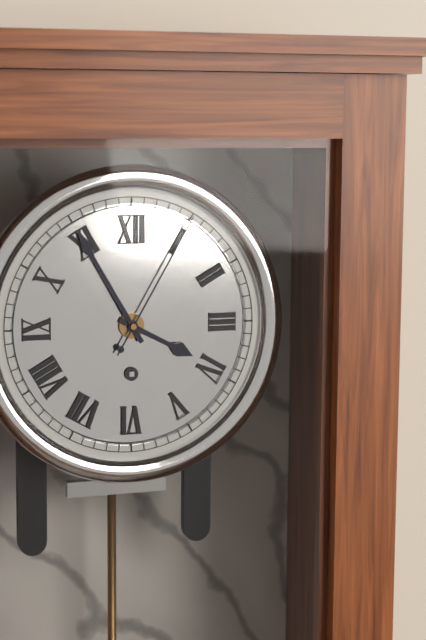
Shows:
3h55m05s
